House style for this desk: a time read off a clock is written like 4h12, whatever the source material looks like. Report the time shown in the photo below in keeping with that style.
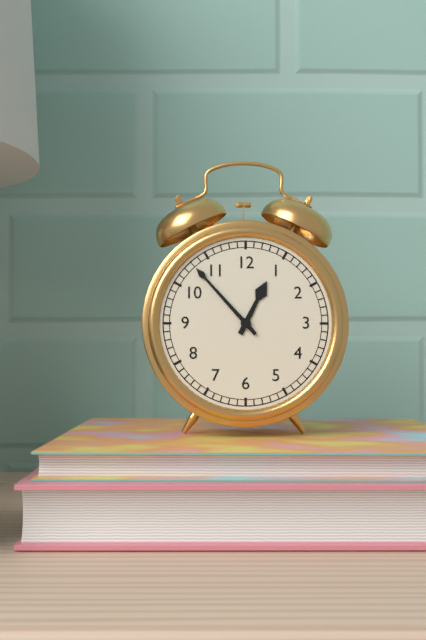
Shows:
12h53
